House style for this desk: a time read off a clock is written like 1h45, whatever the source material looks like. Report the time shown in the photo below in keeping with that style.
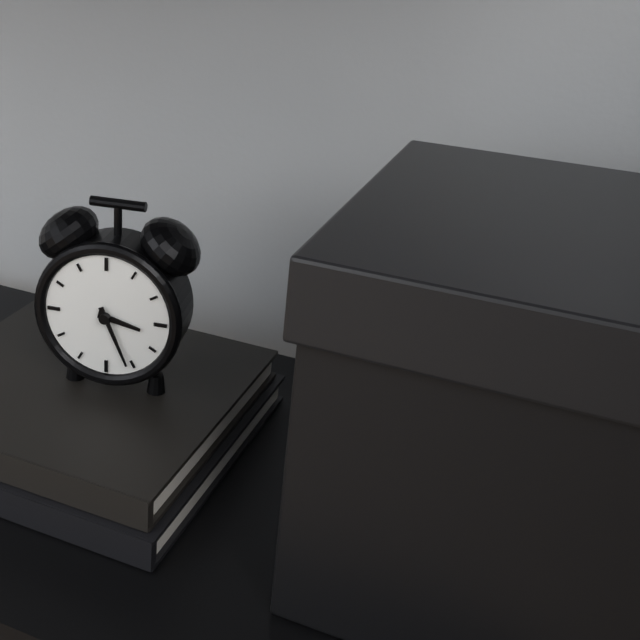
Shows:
3h26
